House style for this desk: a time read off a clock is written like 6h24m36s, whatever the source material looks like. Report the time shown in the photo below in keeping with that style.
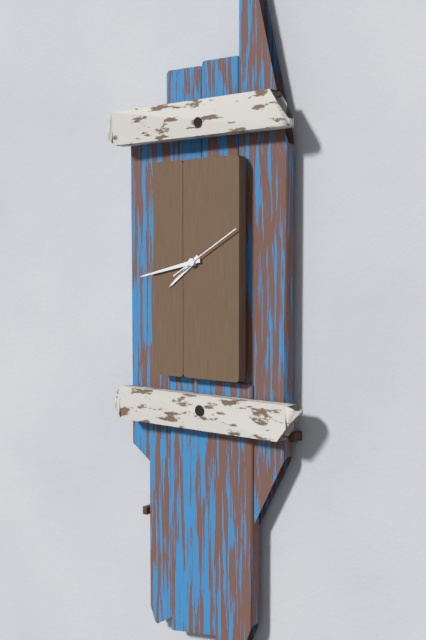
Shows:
7h43m10s
